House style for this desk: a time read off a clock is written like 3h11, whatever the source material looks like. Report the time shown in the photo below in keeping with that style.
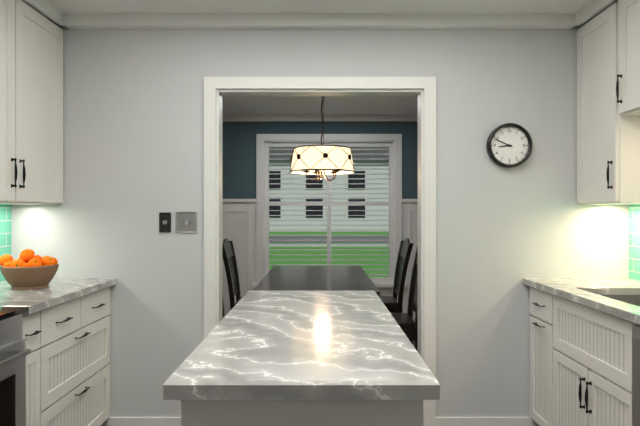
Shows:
8h49
